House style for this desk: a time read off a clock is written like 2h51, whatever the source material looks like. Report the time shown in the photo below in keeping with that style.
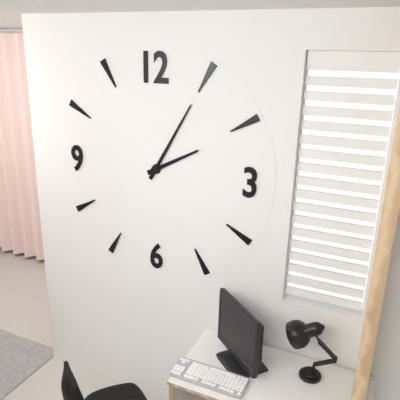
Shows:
2h05
